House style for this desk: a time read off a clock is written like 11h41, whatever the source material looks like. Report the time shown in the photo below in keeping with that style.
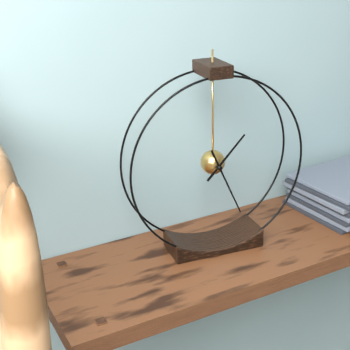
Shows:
1h26
